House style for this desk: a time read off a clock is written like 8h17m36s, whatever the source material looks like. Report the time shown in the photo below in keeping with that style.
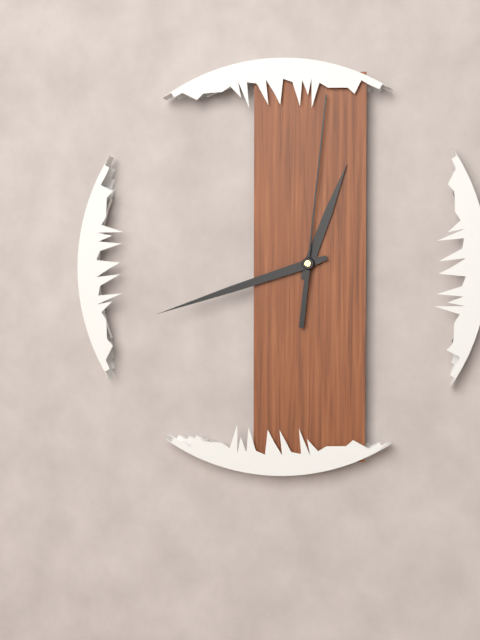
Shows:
12h42m01s
